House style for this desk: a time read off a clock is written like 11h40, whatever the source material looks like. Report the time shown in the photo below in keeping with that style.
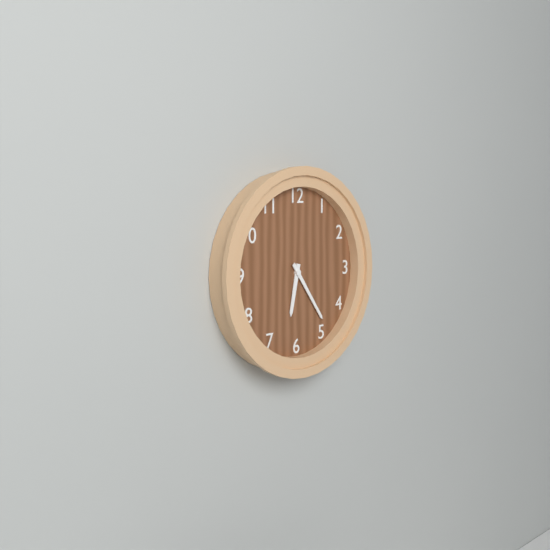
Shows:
6h24
